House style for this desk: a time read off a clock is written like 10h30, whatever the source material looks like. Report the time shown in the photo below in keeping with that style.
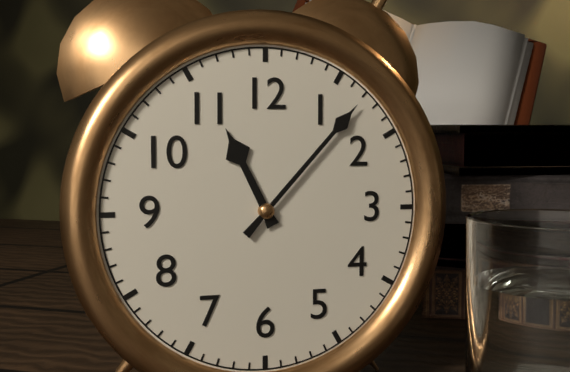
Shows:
11h07
